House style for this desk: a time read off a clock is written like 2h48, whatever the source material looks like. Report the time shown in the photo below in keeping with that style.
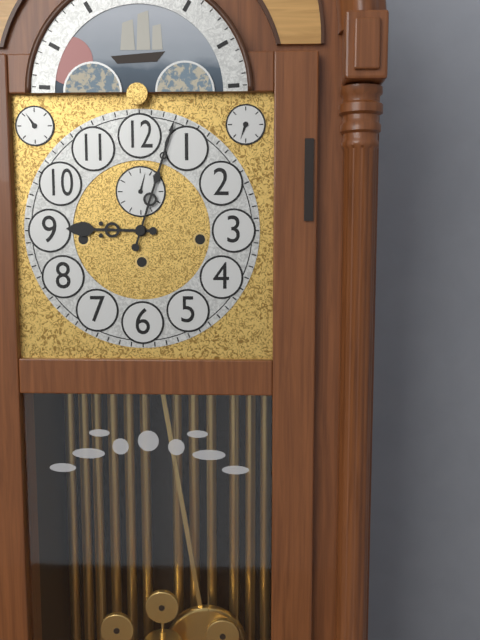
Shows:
9h03
